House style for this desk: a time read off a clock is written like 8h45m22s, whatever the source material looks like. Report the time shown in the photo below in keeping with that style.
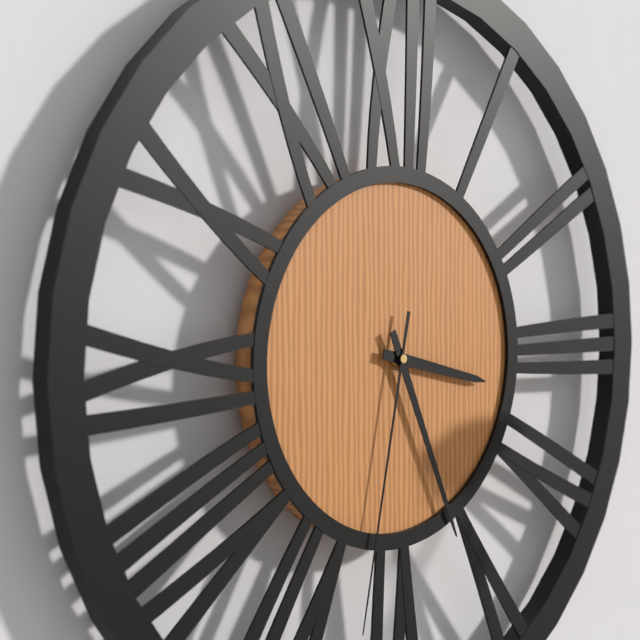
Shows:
3h26m32s
